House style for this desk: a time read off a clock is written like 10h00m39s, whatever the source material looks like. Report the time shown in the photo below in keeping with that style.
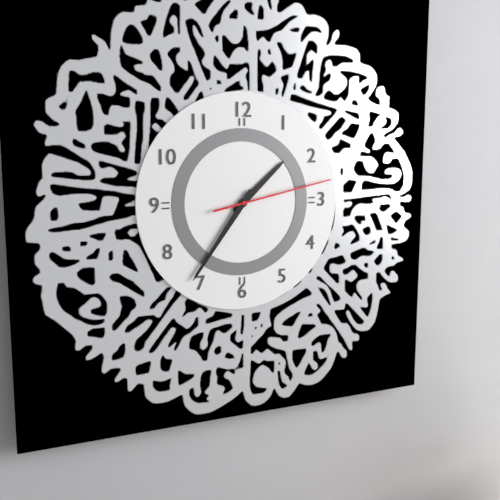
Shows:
1h36m13s
